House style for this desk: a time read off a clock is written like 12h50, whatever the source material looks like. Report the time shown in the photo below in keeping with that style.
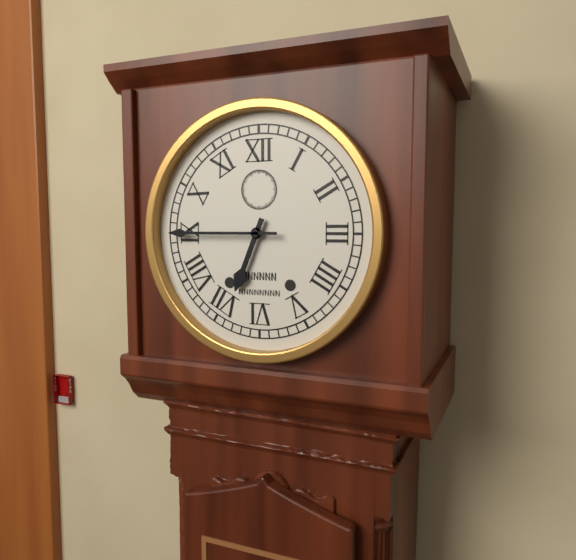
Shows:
6h45
